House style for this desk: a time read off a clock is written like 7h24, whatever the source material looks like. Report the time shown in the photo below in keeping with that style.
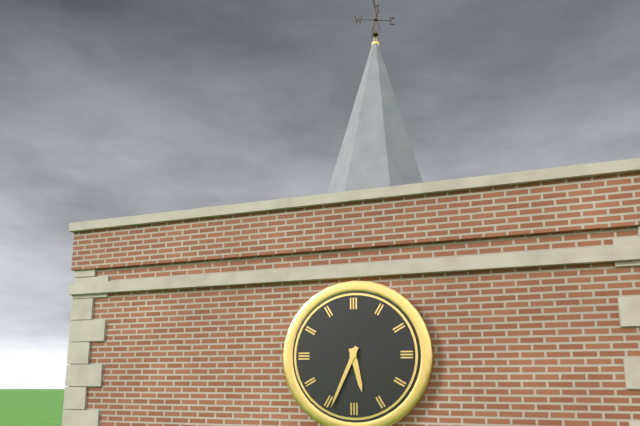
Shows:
5h34
